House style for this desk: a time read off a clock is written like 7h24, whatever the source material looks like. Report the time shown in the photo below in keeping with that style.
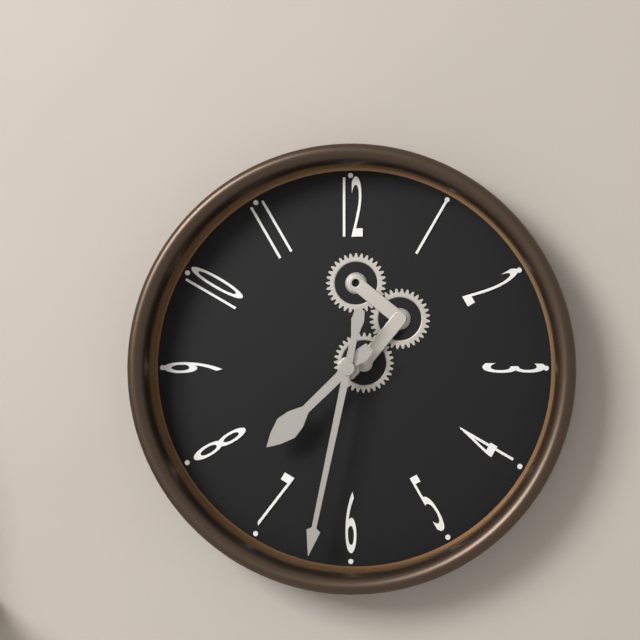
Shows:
7h32
